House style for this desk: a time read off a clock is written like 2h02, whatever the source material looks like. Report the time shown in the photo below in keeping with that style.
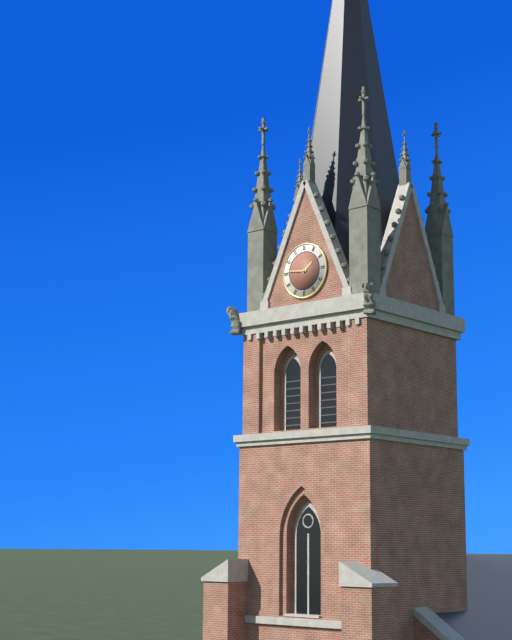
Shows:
1h46
